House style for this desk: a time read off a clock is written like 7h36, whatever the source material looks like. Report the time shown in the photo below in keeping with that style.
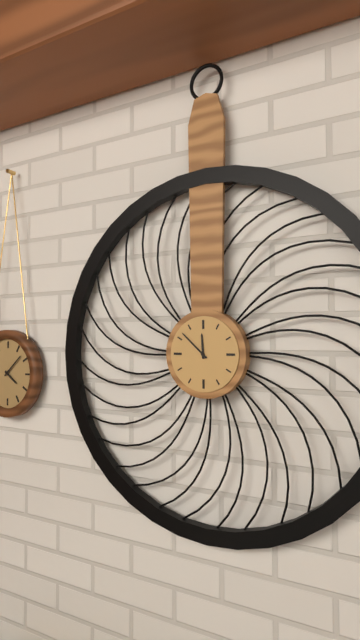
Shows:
11h52
